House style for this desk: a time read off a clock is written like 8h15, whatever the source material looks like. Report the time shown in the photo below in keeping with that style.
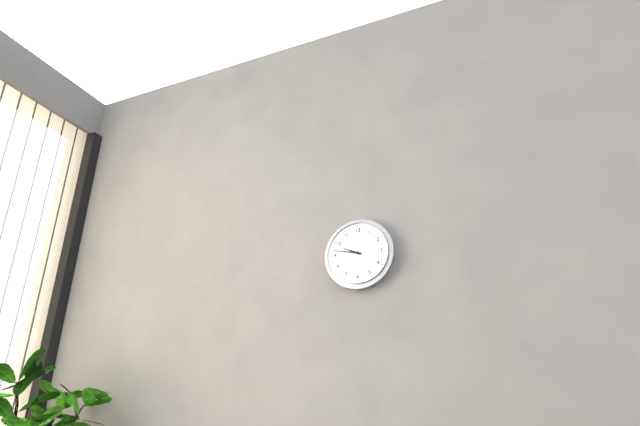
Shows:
9h47
